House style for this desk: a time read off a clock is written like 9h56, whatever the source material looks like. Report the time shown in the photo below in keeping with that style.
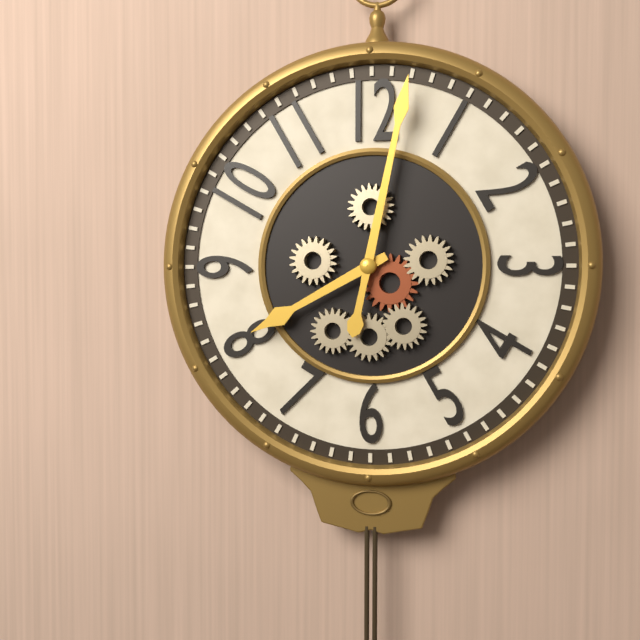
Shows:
8h02
